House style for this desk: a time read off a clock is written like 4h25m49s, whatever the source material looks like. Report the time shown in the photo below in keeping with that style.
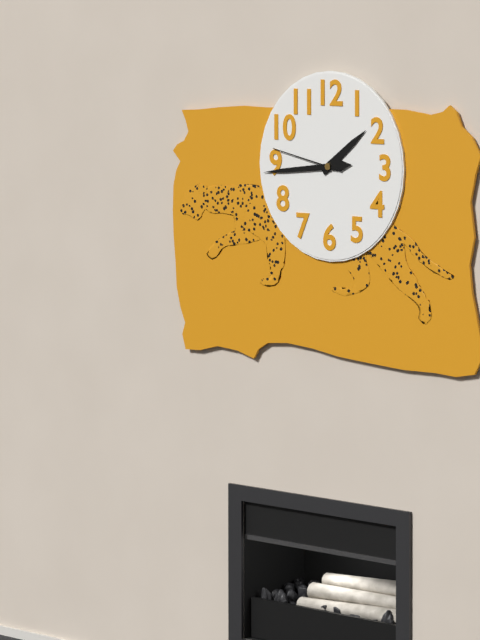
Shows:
1h44m47s
